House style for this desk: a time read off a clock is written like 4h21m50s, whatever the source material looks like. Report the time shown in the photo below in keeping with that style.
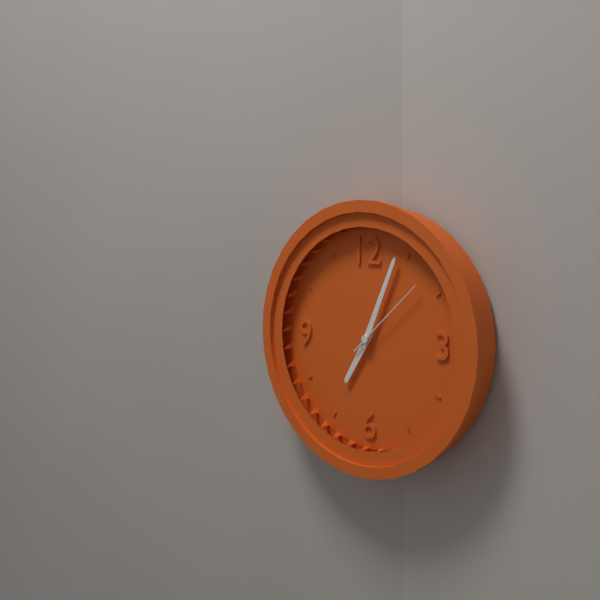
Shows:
7h04m08s
